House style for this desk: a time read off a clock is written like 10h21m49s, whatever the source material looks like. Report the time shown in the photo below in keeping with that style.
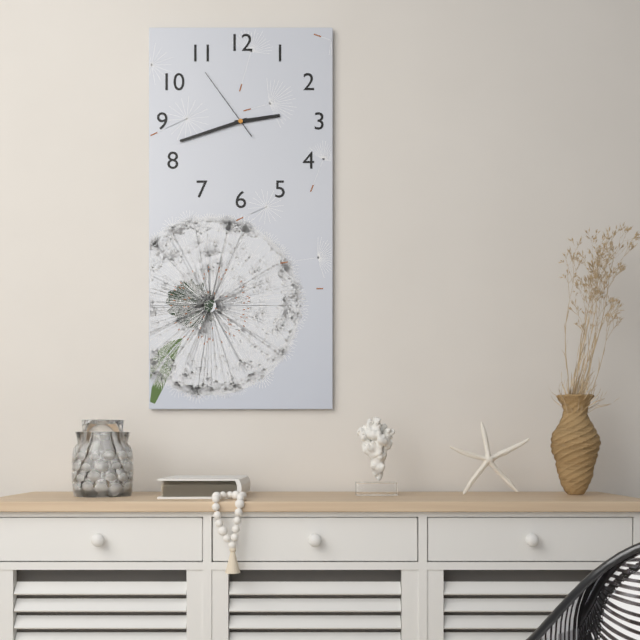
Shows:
2h42m54s
